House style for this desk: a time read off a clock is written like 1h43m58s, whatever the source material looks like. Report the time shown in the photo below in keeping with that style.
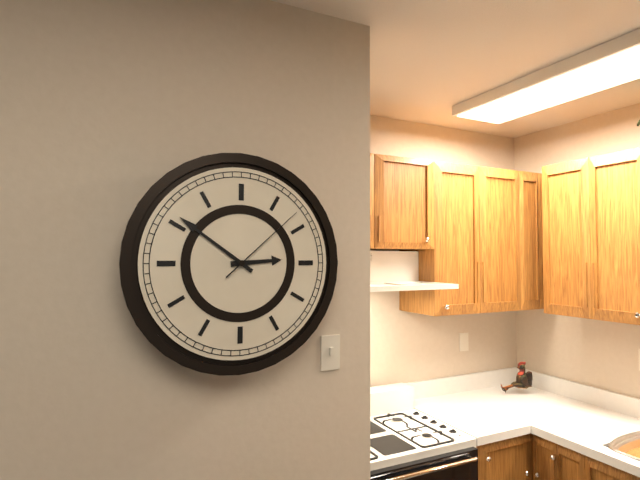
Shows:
2h51m08s
